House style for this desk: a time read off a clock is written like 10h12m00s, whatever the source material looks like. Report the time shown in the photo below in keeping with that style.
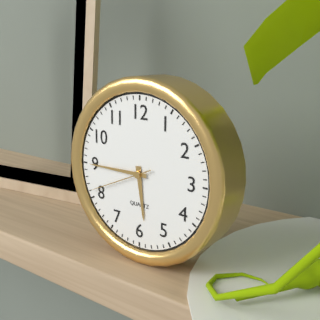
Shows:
5h45m41s
